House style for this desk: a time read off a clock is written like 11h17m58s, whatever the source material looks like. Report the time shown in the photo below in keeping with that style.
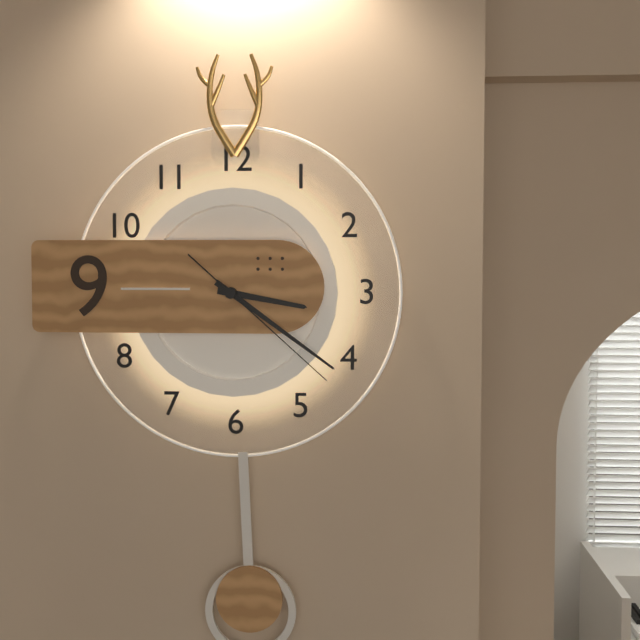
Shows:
3h21m22s
